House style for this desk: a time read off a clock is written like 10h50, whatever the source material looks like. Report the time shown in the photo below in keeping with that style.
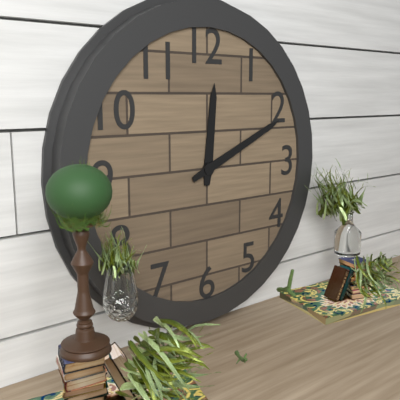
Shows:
12h11
